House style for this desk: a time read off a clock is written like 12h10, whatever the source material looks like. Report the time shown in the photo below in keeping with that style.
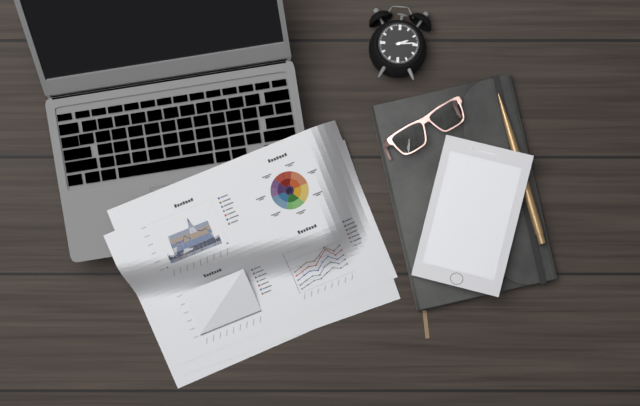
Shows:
2h14
